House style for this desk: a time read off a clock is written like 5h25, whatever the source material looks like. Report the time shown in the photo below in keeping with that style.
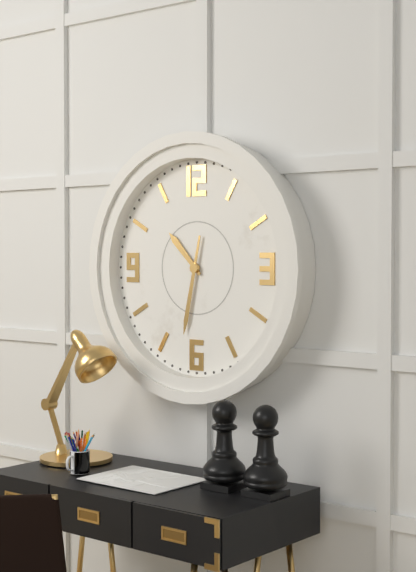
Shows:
10h32
